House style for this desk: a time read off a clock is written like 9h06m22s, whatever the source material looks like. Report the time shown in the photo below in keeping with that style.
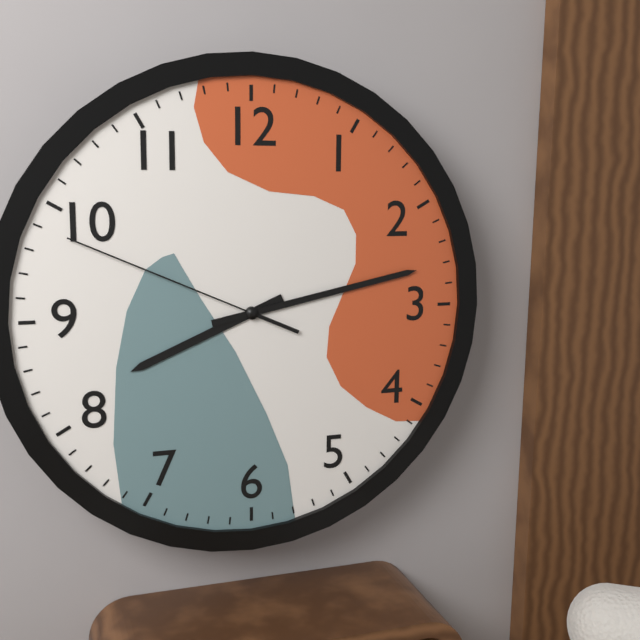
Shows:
8h13m49s
